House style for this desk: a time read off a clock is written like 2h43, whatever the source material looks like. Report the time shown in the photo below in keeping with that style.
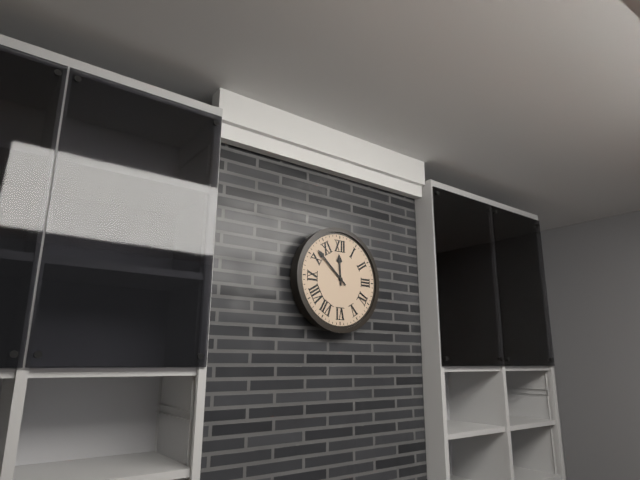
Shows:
11h52
